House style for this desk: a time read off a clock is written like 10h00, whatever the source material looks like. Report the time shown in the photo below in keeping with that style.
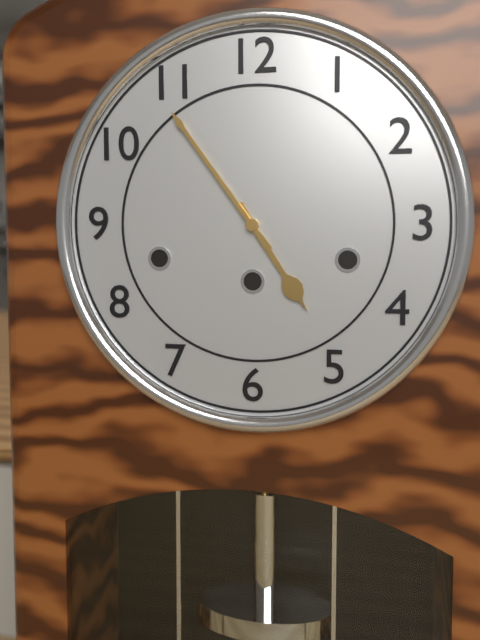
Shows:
4h54
